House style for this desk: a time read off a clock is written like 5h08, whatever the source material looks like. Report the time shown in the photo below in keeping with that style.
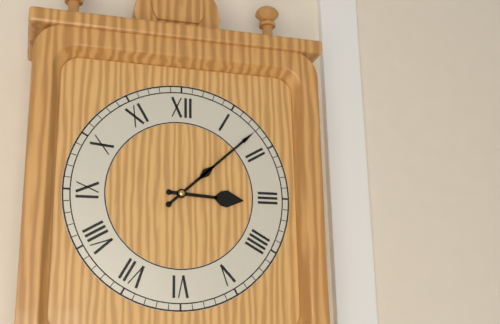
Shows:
3h08
